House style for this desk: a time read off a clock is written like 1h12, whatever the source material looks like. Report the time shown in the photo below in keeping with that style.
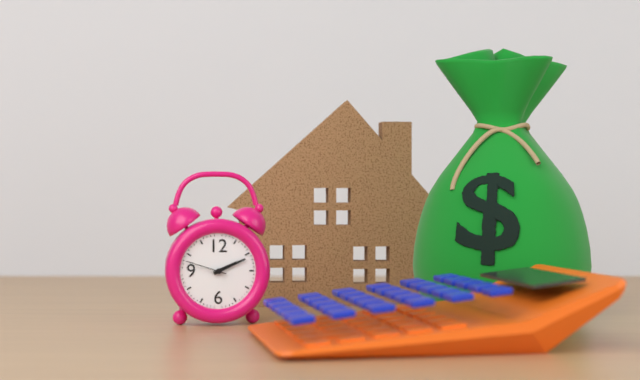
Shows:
2h11
